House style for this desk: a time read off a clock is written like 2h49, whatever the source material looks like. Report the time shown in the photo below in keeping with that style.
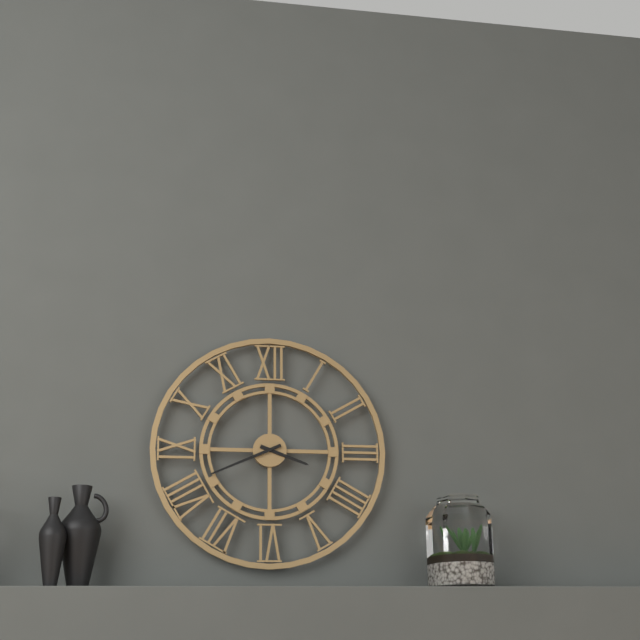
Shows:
3h41
